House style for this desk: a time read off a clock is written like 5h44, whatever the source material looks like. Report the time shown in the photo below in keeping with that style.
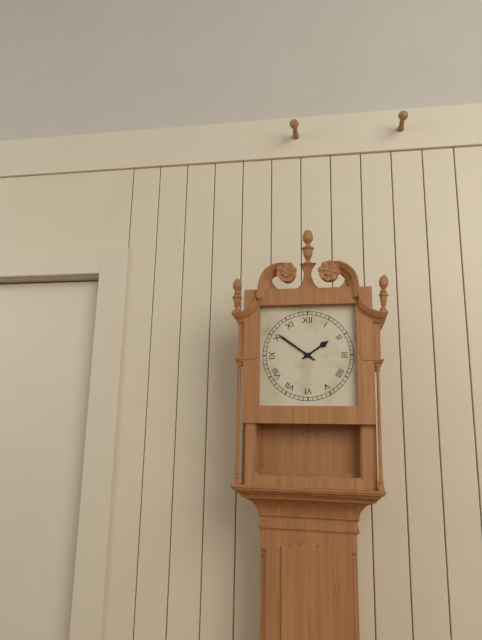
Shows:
1h51
